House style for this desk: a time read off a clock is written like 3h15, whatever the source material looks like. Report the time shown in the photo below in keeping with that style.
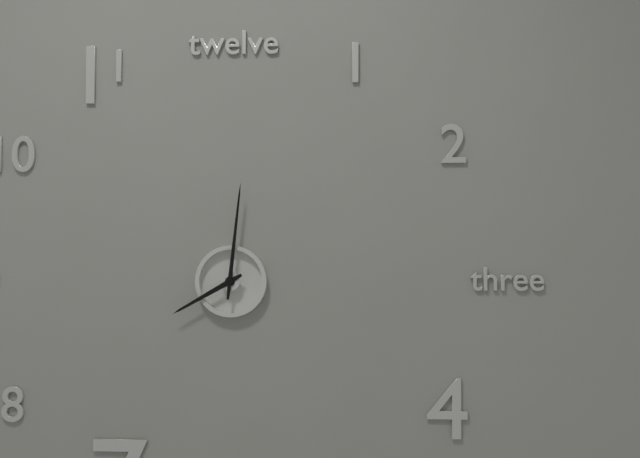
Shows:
8h01
